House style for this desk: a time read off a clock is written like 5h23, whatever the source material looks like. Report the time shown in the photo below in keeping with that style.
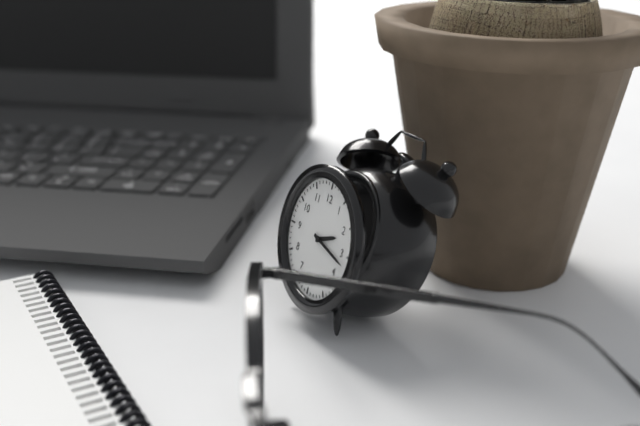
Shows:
2h17
